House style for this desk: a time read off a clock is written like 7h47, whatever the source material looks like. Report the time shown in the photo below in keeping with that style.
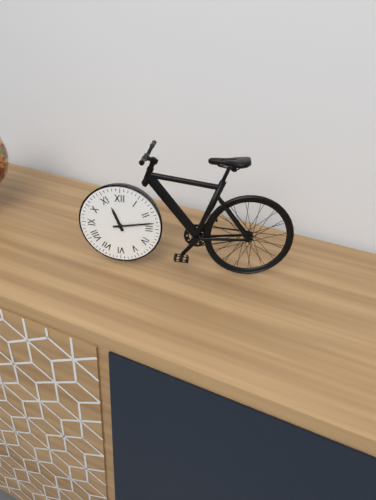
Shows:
11h13
